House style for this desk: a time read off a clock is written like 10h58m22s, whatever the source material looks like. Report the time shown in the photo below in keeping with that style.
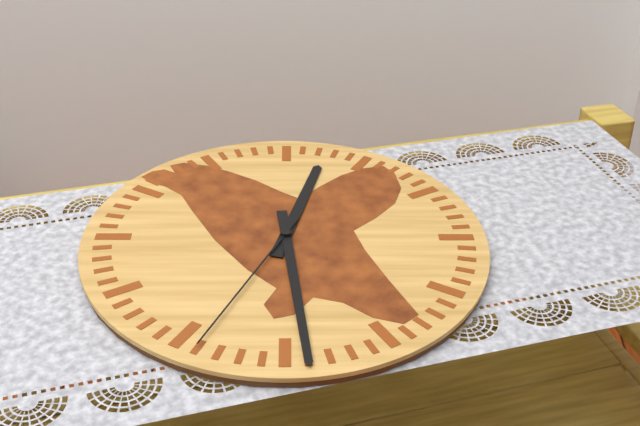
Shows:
12h29m34s
